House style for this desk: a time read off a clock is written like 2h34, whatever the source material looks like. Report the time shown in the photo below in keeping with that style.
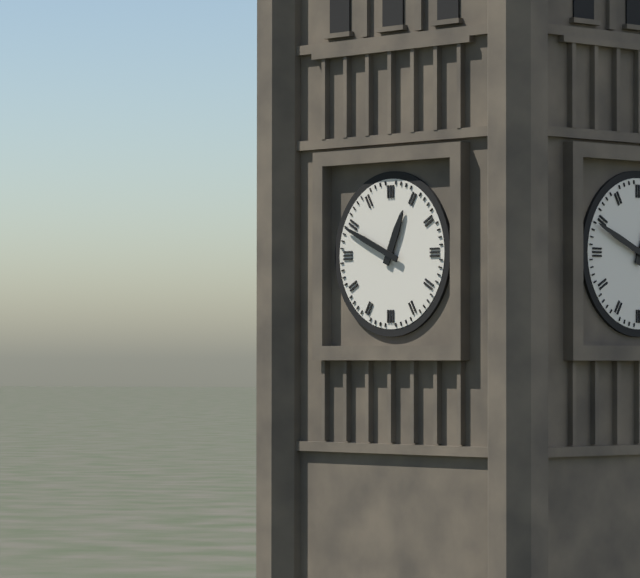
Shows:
12h49
